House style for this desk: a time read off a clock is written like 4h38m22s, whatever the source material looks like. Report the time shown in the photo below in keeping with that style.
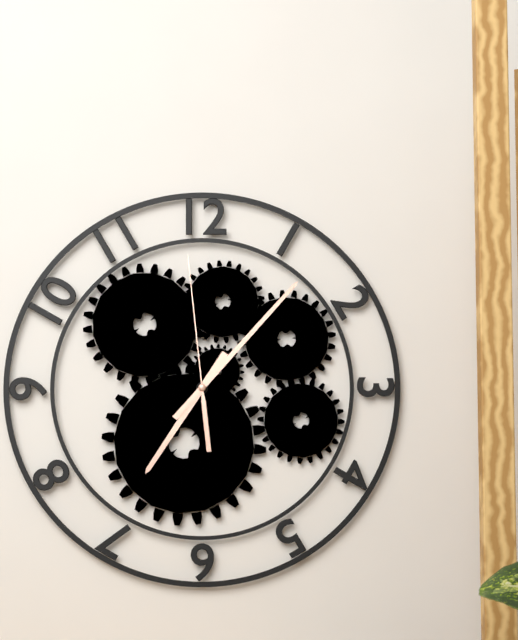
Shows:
7h07m59s
